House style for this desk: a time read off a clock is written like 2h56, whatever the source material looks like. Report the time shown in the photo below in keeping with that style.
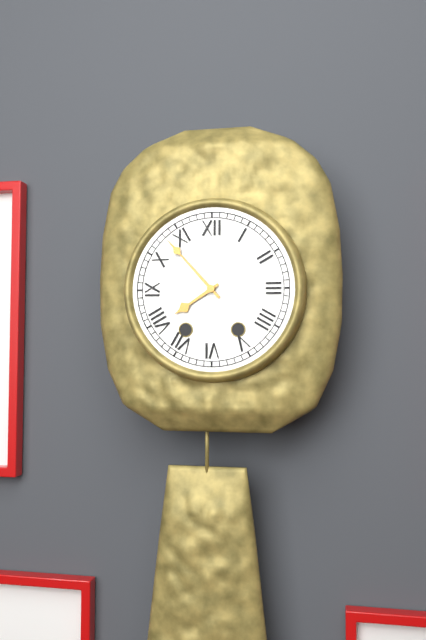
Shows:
7h53
